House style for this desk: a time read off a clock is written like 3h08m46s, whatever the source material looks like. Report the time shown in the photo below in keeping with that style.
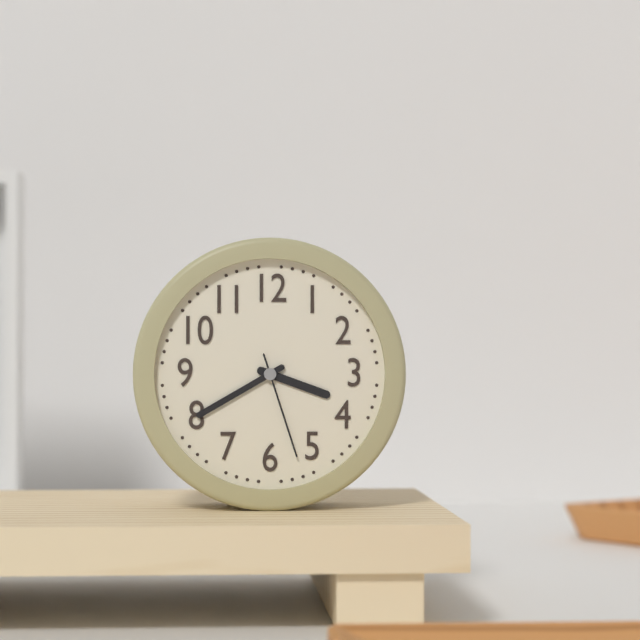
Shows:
3h40m27s
